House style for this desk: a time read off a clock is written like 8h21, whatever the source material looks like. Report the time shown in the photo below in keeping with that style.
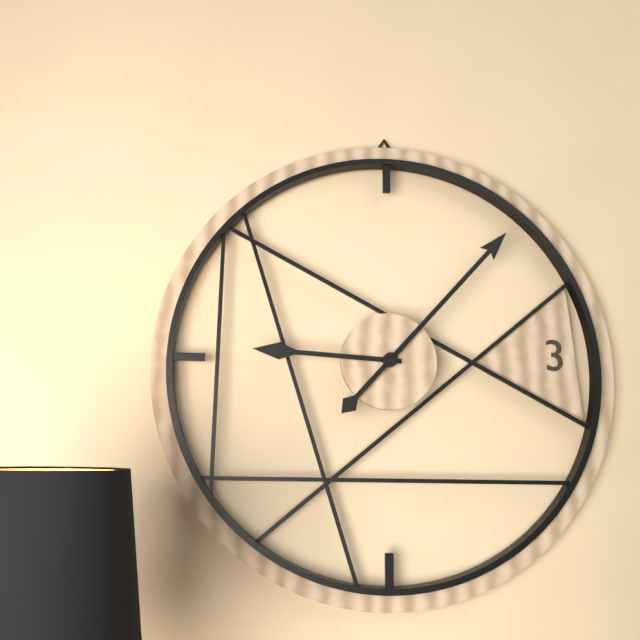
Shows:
9h07
